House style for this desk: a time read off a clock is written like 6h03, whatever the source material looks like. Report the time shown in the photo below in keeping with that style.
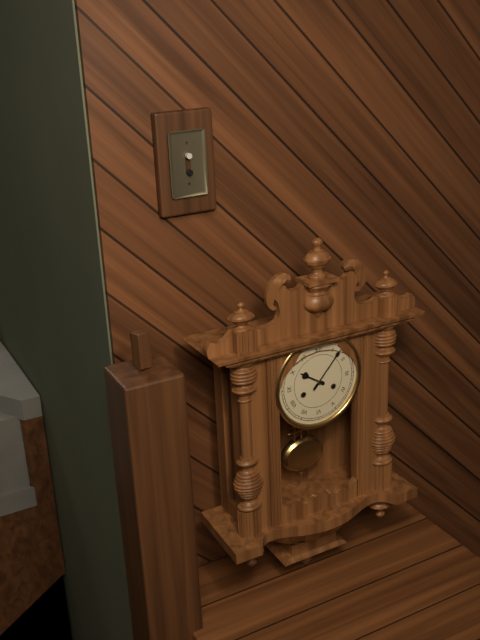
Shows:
10h07
